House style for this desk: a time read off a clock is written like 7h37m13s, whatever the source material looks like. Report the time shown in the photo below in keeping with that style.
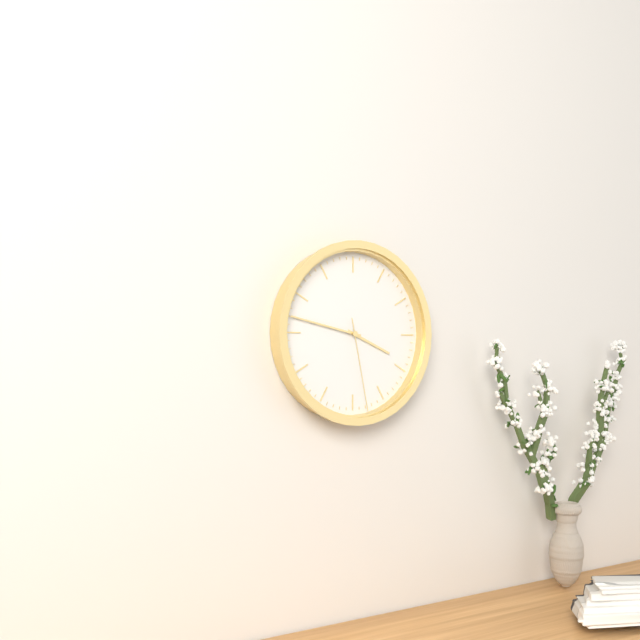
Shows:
3h47m28s
